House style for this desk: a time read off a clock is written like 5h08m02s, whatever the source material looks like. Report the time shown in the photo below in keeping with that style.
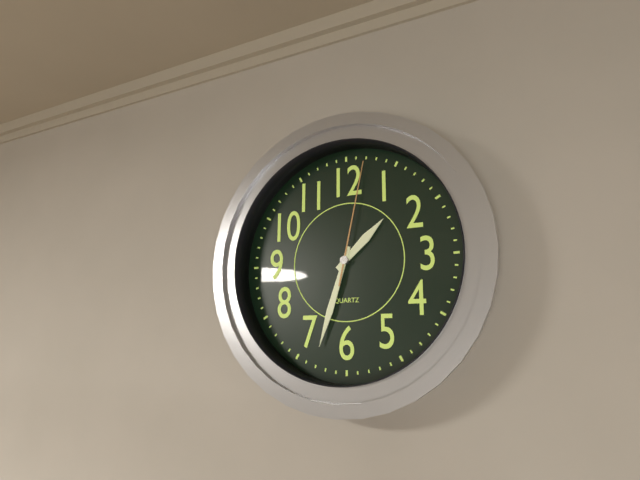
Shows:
1h33m02s
